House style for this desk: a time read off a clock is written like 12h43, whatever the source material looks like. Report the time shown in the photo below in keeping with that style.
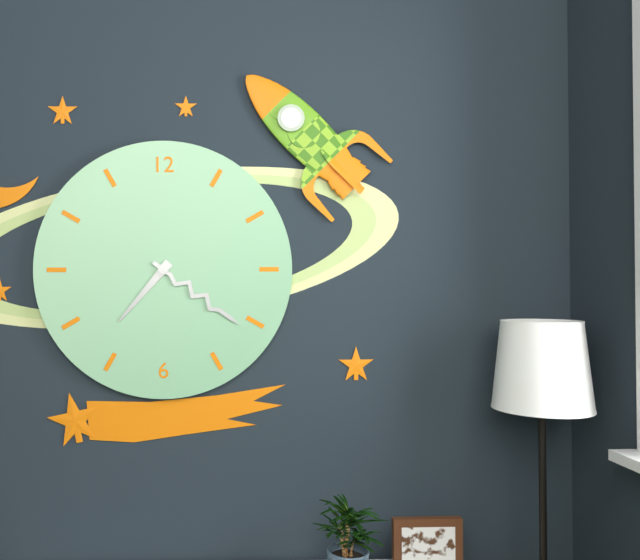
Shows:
7h21
